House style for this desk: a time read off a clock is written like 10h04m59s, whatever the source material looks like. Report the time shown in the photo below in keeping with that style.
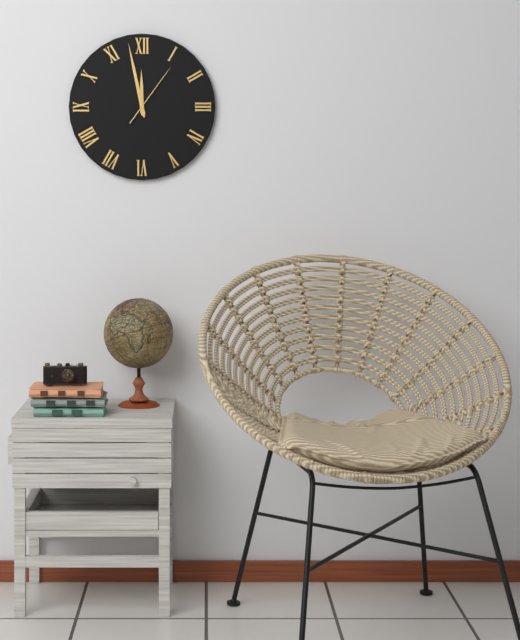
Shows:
11h58m06s
